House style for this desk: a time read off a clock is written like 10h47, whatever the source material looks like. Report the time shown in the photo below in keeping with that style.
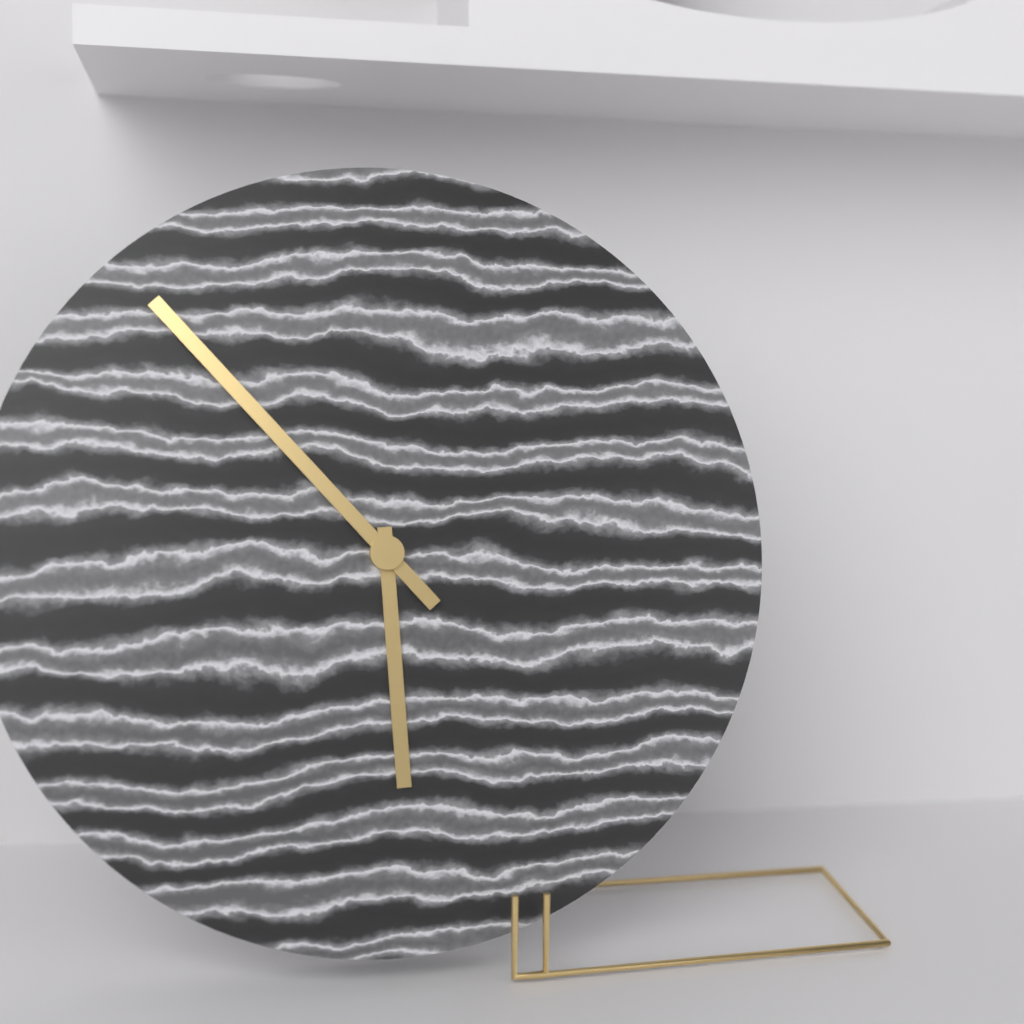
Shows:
5h53
